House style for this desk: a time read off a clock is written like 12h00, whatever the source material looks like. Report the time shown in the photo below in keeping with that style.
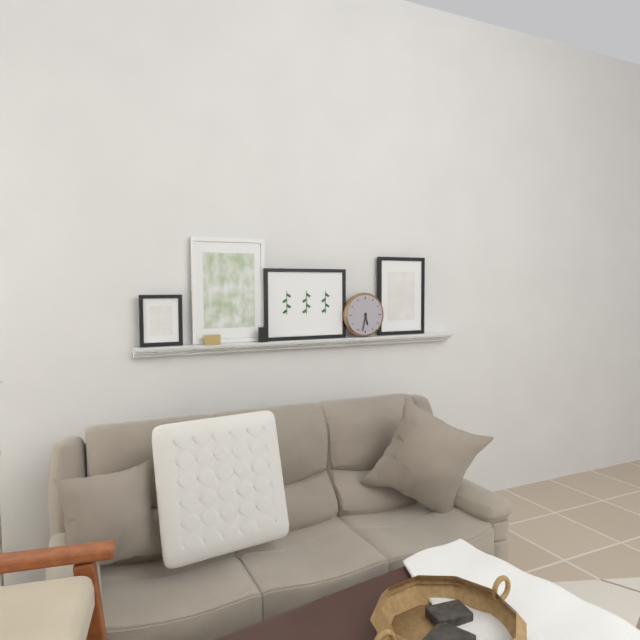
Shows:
5h32
